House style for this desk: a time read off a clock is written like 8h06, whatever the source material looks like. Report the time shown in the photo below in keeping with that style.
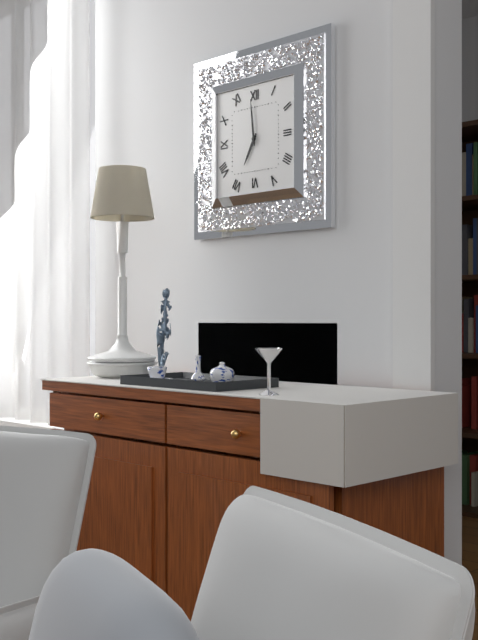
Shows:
6h59
